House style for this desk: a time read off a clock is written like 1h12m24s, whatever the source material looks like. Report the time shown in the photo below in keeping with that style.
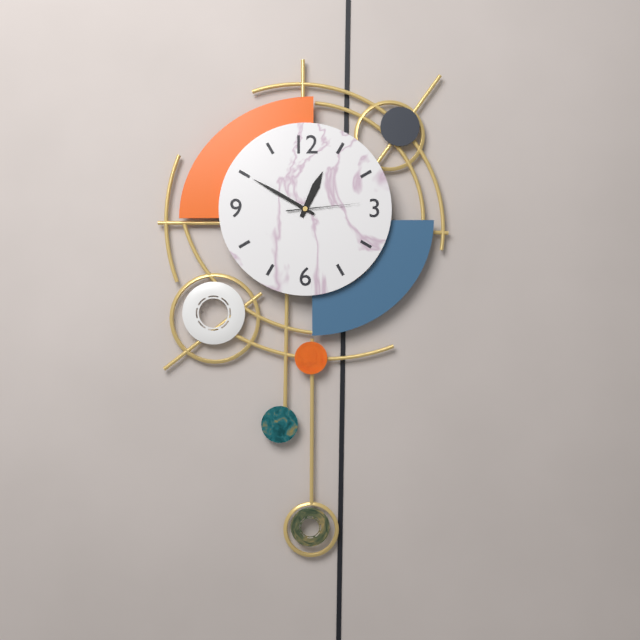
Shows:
12h50m14s
